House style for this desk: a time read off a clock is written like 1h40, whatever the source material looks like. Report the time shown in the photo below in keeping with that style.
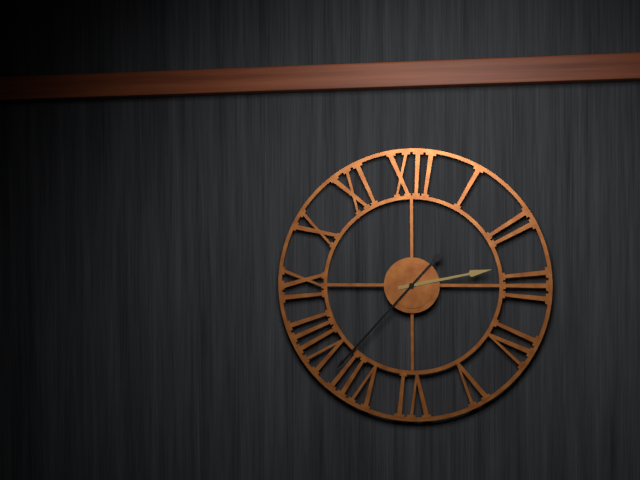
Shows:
2h37
